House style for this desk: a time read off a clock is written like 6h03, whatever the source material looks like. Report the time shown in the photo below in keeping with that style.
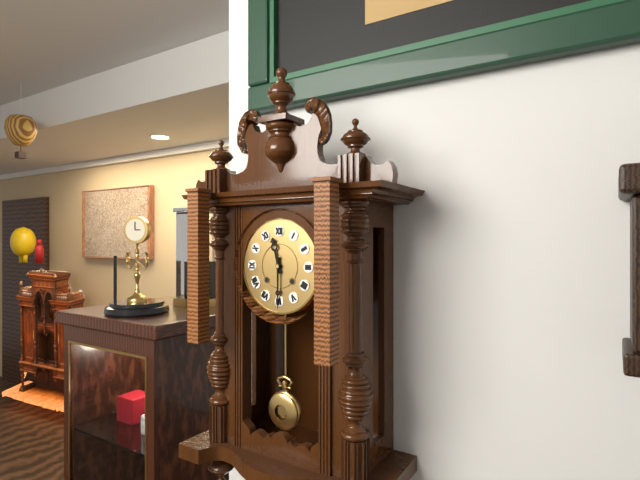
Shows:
11h30
